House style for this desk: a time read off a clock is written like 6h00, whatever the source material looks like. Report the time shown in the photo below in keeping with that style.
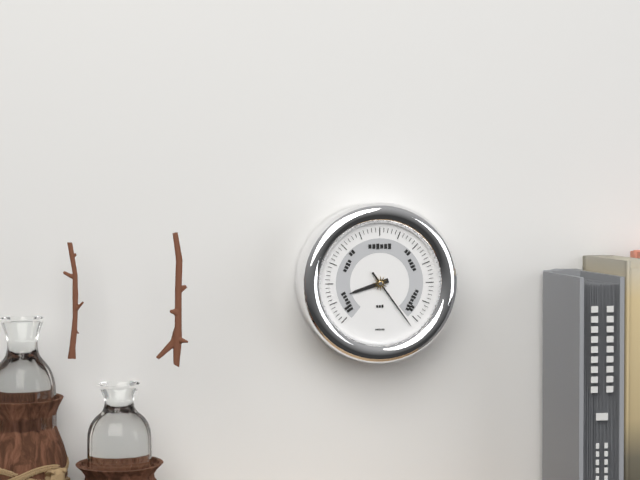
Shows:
8h24
